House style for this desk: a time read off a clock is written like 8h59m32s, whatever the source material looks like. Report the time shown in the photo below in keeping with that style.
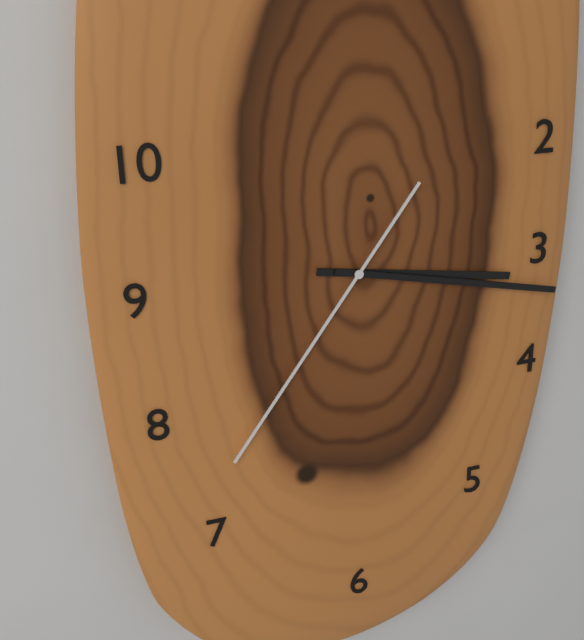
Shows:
3h17m36s
